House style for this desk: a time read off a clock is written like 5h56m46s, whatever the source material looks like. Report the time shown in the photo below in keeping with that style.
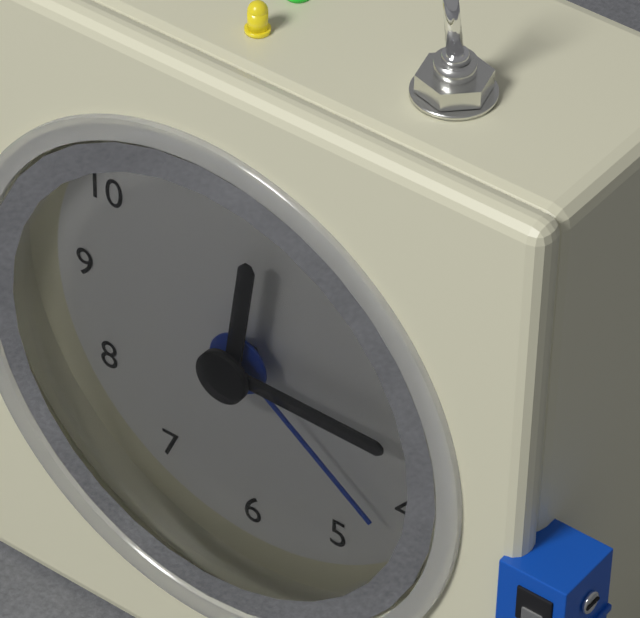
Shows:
12h15m21s
